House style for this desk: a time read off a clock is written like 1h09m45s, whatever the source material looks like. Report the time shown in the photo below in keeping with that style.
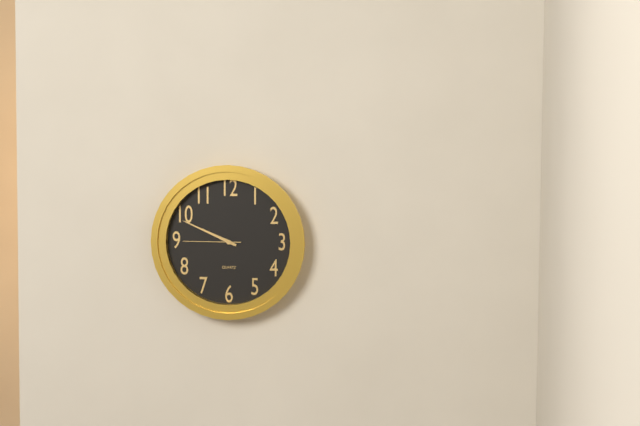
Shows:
9h49m45s
